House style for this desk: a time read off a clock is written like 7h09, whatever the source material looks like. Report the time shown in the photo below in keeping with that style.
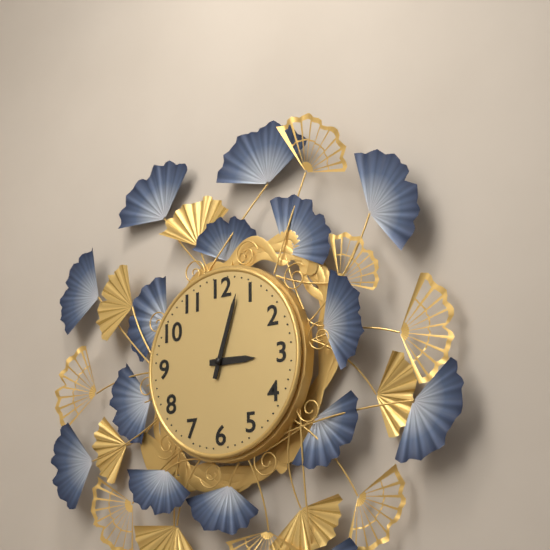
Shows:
3h03
